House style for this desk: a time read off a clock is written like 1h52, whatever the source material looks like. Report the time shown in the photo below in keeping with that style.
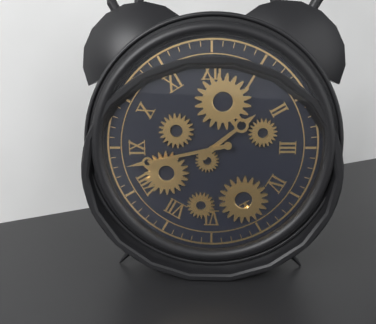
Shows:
1h43
